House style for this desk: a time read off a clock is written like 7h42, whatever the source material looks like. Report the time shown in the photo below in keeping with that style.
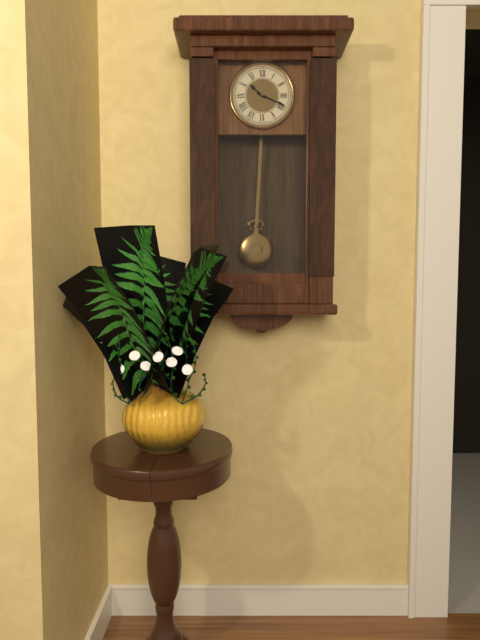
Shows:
10h19
